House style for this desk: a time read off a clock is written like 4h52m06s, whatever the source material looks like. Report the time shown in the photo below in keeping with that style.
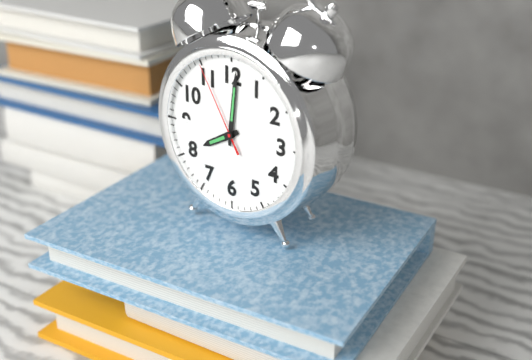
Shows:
8h01m55s
